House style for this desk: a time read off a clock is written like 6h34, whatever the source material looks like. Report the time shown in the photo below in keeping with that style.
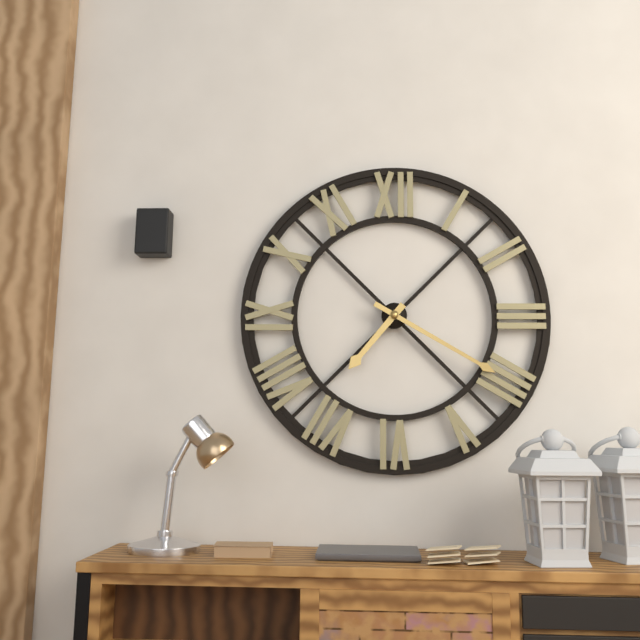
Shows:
7h20
